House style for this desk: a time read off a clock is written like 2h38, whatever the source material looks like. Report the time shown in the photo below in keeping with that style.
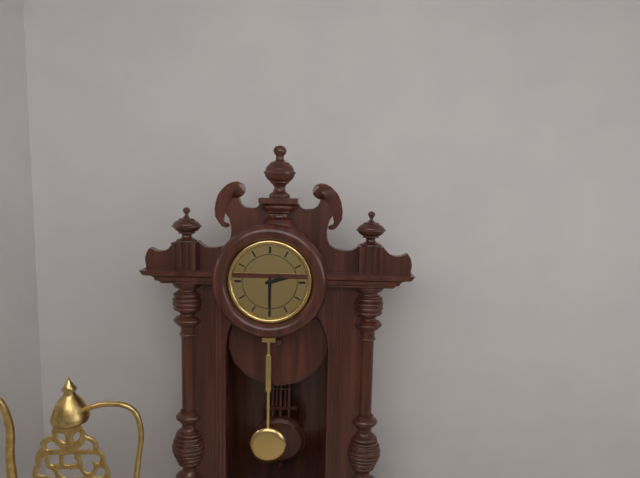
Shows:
2h30
